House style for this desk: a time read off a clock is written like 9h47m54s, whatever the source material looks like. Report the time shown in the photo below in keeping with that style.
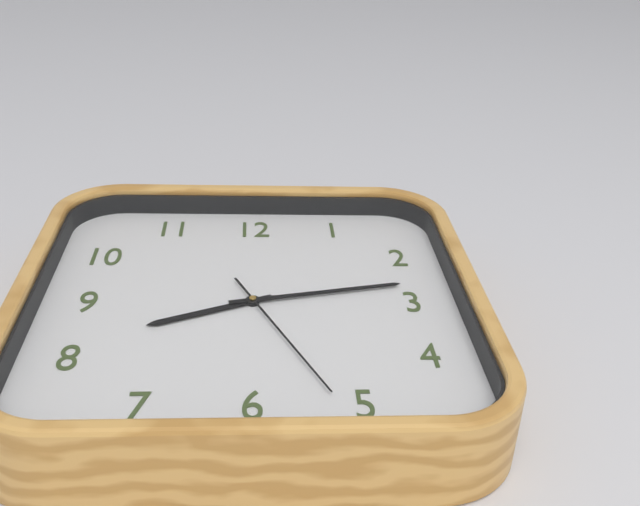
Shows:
8h13m26s
